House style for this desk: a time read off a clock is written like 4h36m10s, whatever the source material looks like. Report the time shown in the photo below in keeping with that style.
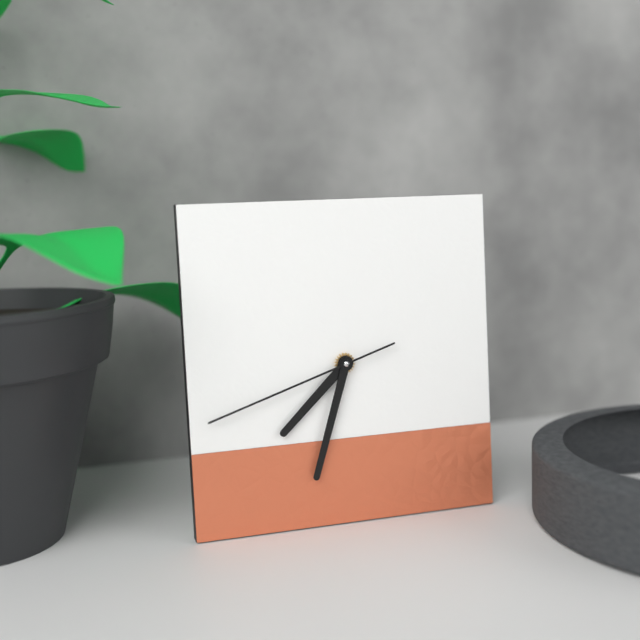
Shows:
7h33m42s
